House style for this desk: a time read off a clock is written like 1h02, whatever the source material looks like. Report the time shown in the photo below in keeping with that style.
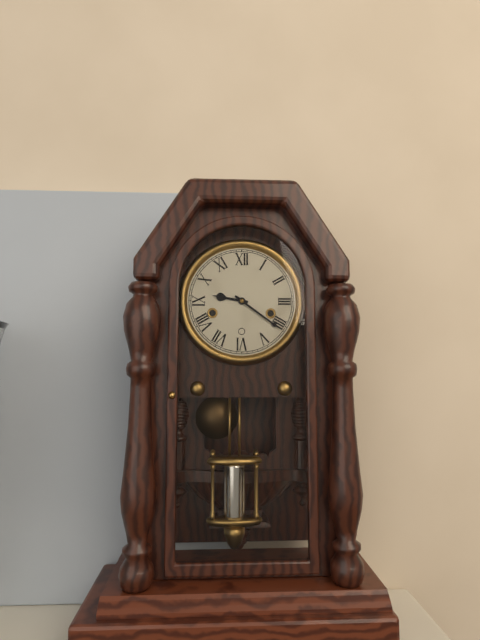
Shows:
9h21
